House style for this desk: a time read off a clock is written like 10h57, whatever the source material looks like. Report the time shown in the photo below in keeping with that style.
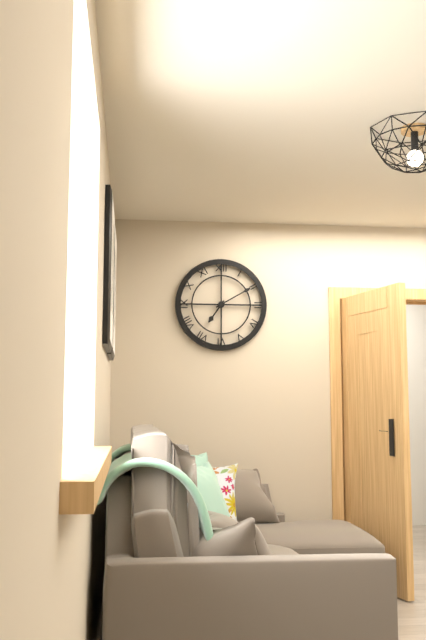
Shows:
7h10
